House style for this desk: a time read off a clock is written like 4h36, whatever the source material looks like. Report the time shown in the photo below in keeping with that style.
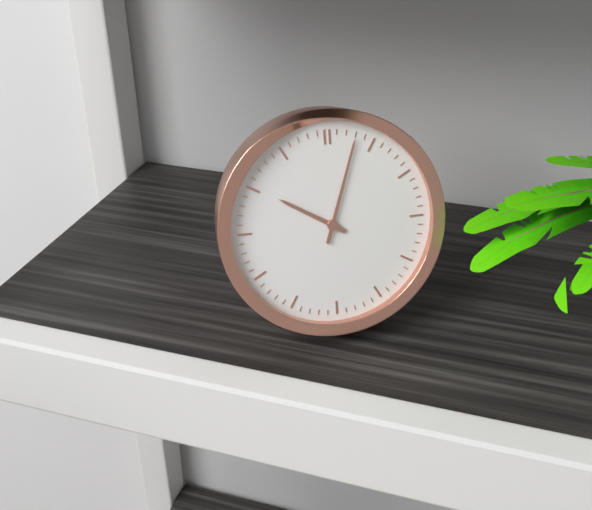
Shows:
10h03
